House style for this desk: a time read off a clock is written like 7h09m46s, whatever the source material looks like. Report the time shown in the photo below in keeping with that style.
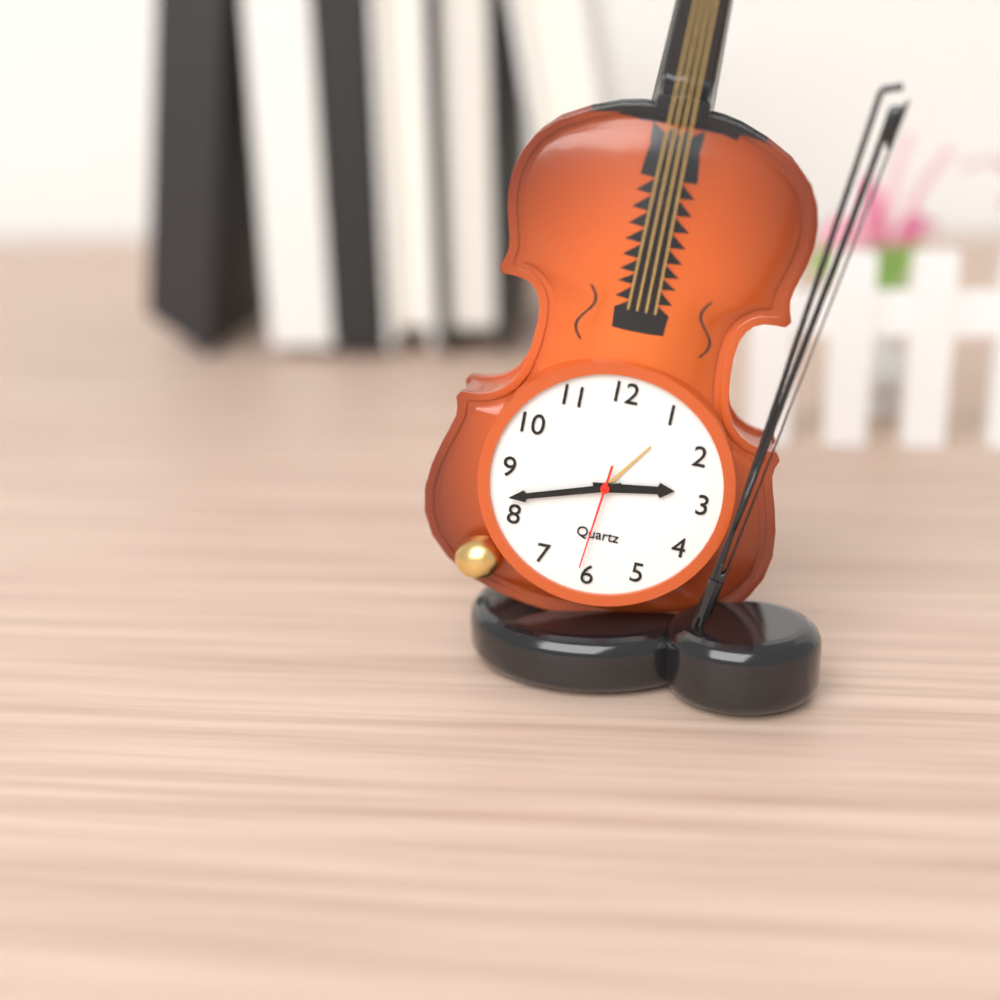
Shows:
2h42m31s
